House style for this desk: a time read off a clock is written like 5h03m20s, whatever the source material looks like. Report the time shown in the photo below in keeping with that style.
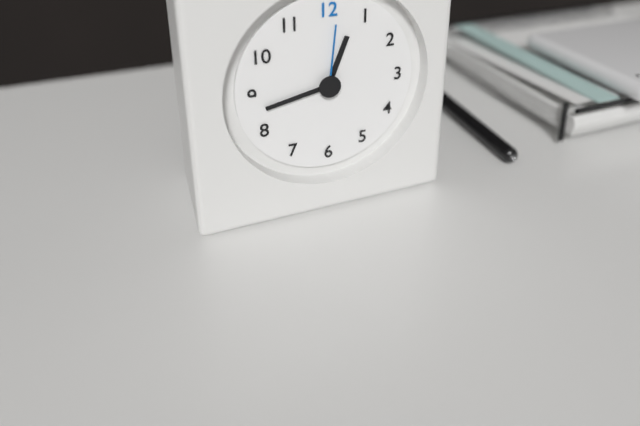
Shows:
12h43m01s
